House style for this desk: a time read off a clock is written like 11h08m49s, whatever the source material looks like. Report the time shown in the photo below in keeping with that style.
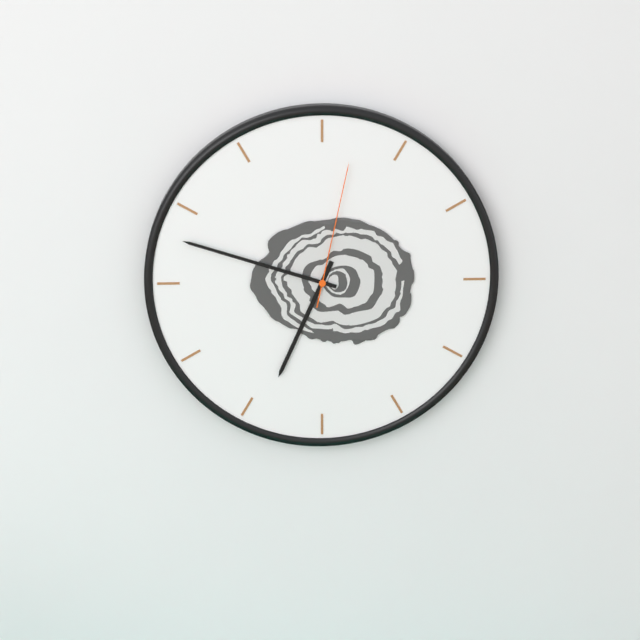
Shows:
6h48m02s
